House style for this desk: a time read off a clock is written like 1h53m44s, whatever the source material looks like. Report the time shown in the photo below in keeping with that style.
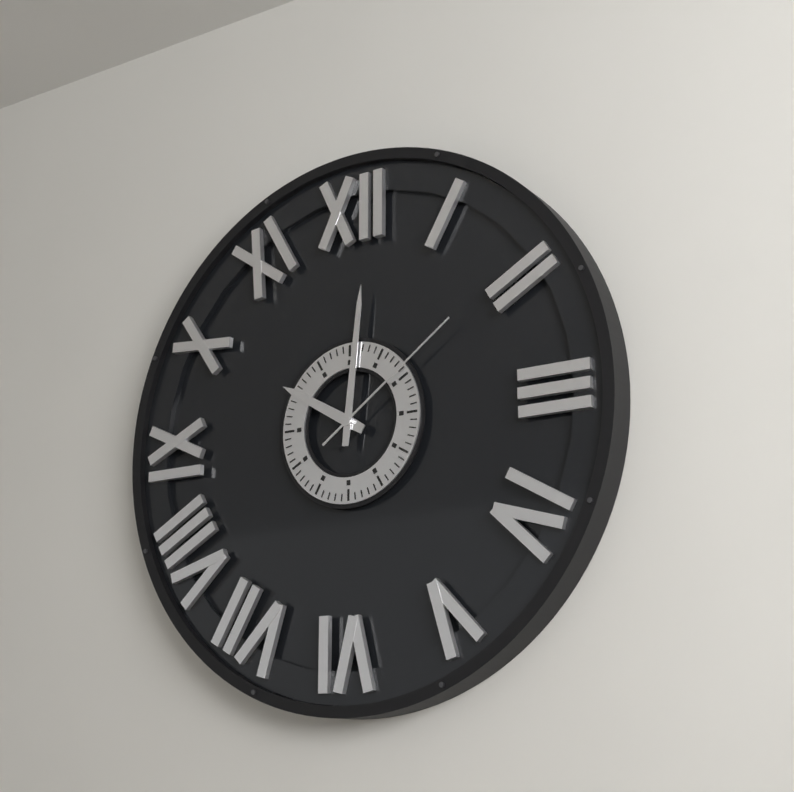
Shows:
10h01m09s
